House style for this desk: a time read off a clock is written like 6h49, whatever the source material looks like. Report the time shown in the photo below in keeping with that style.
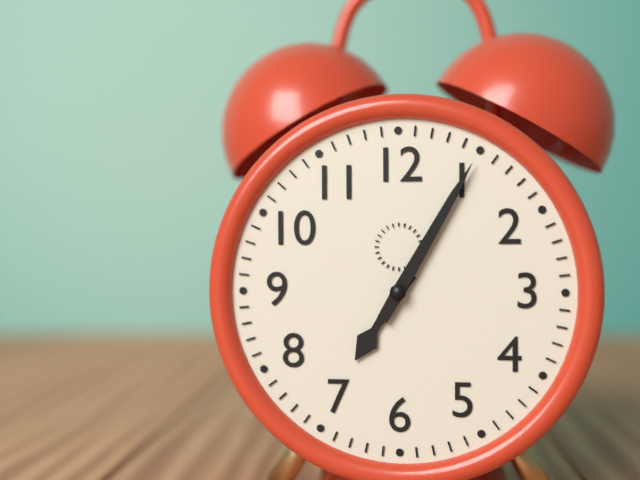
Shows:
7h05
